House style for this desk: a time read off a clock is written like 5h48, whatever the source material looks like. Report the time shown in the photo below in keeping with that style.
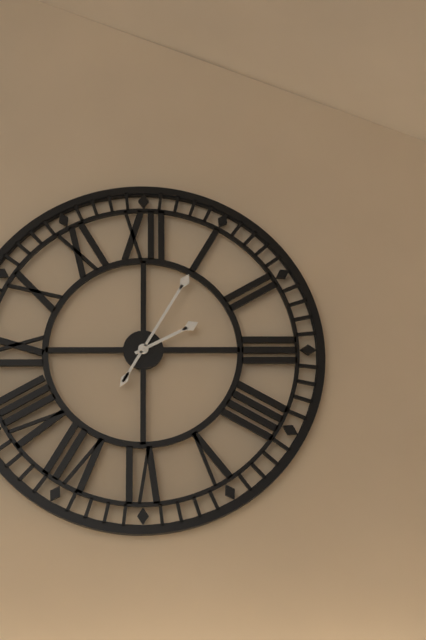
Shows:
2h05
